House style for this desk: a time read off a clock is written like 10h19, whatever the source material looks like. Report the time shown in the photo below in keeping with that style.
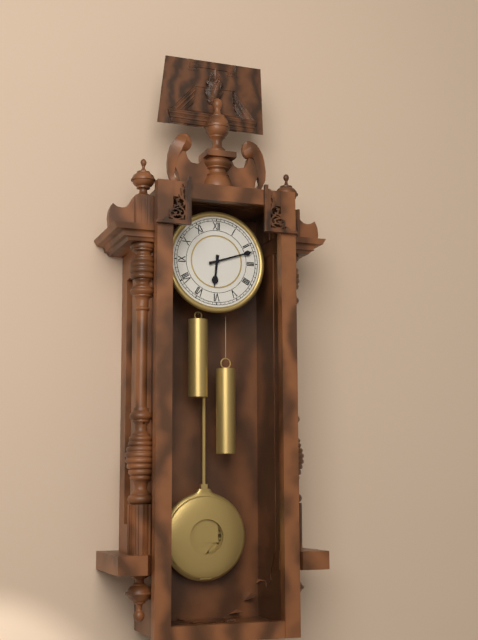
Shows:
6h12
